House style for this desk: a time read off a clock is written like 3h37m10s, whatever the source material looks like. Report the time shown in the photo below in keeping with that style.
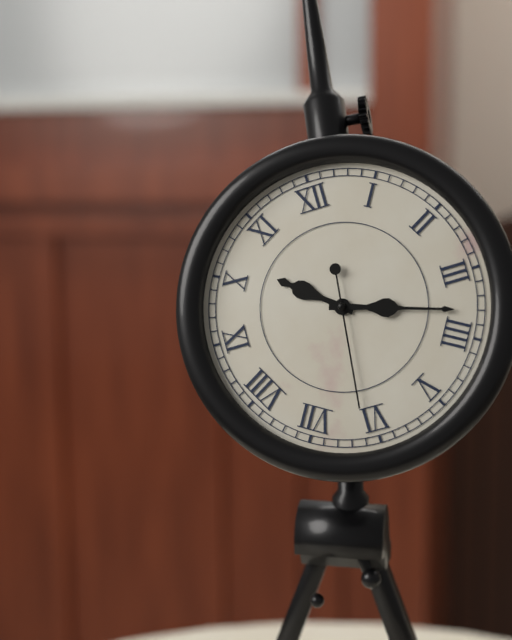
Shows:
10h18m31s
